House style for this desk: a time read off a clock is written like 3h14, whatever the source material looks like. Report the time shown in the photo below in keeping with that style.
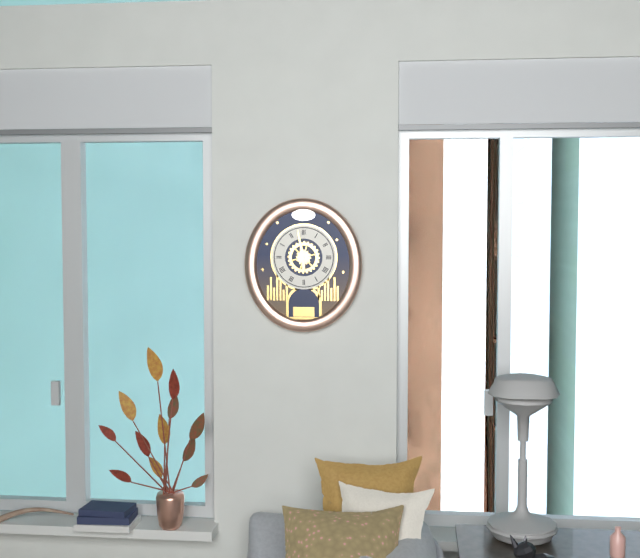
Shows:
5h58
